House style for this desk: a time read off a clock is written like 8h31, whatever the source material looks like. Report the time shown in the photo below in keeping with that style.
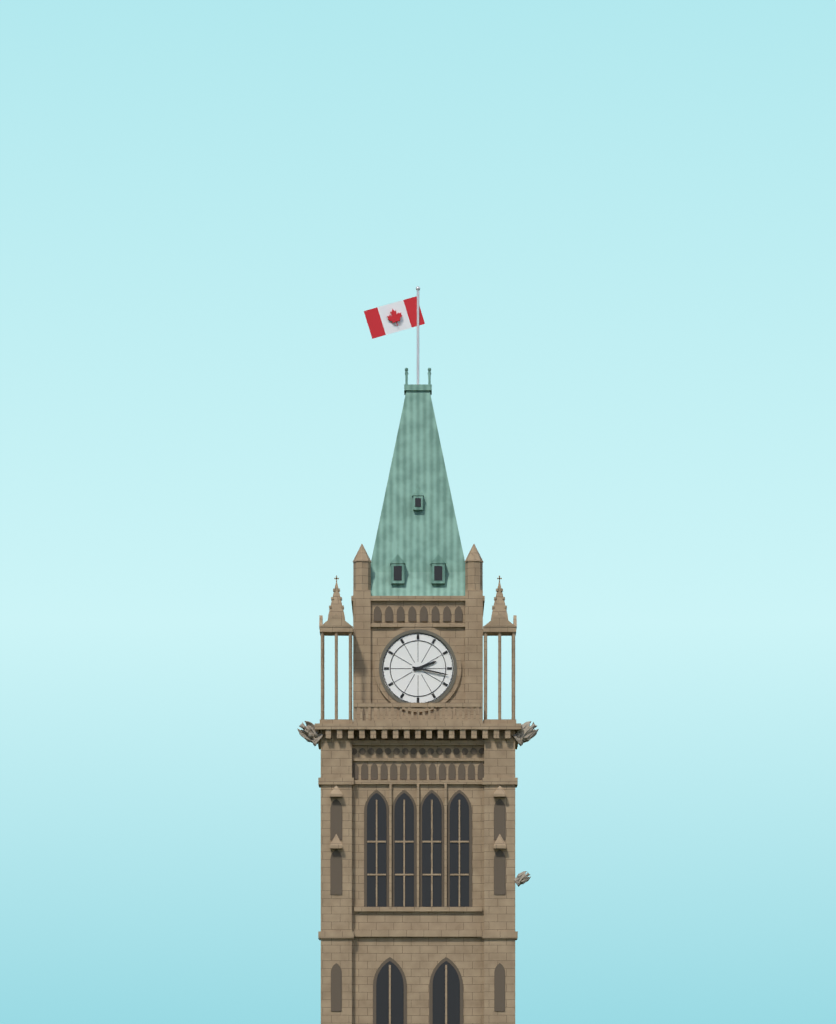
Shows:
2h17
